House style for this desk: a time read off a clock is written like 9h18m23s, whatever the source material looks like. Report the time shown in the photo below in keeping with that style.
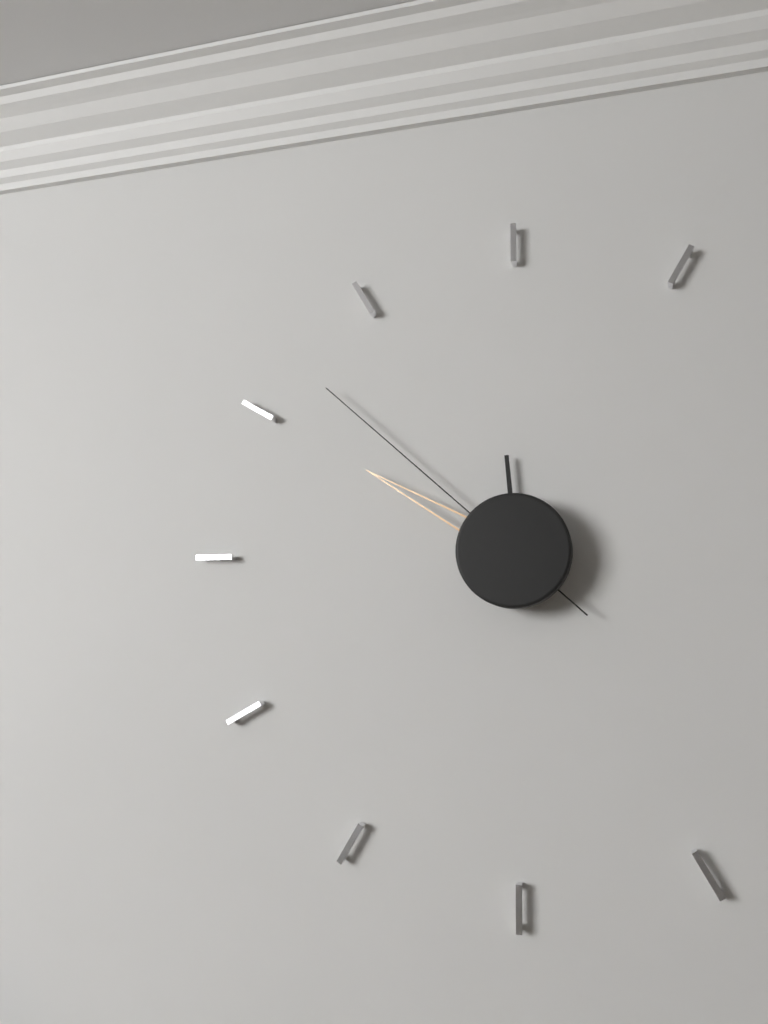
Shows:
11h50m52s
